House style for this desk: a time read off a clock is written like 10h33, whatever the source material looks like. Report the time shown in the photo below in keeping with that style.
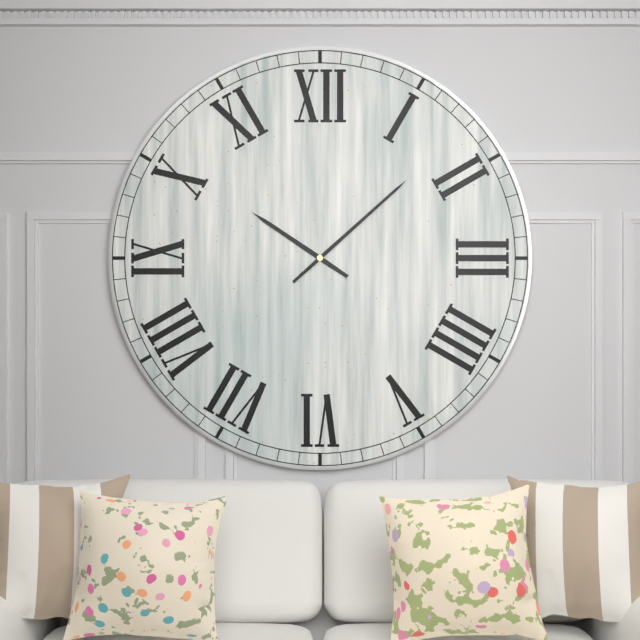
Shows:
10h08
